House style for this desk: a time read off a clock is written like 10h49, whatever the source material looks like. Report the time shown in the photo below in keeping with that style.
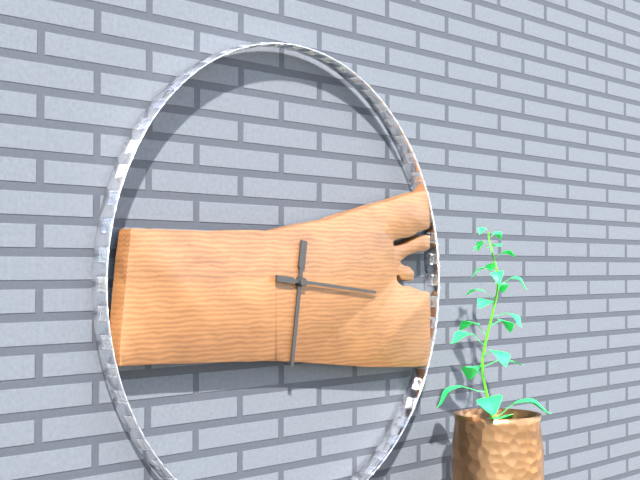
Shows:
6h16
